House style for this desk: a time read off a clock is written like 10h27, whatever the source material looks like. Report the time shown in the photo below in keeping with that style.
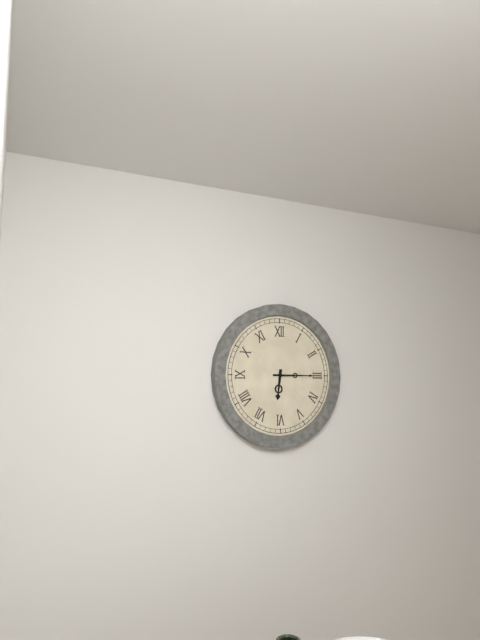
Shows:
6h15
